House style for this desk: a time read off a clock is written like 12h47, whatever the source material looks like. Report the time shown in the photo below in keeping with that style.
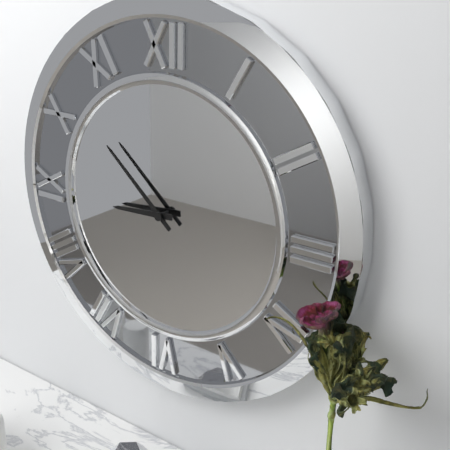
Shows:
8h52
